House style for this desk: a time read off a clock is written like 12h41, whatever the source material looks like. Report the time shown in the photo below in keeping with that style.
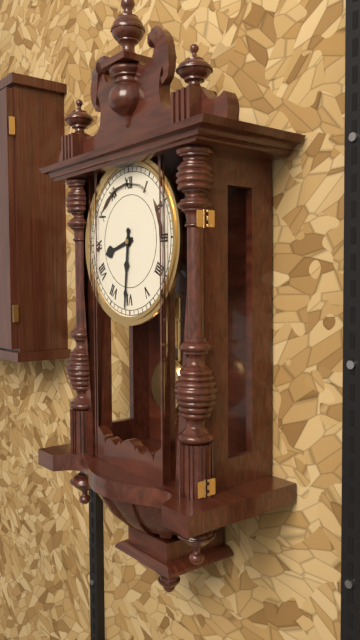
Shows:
8h31
